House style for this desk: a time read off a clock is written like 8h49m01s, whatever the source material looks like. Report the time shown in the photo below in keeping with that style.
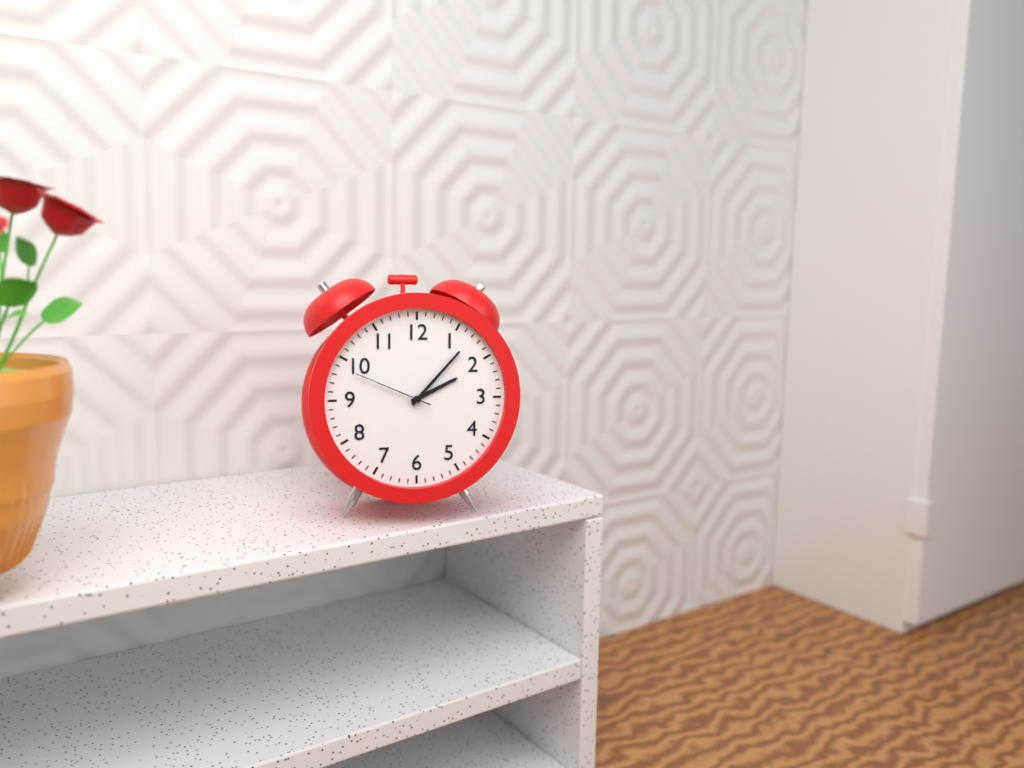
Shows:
2h07m49s
